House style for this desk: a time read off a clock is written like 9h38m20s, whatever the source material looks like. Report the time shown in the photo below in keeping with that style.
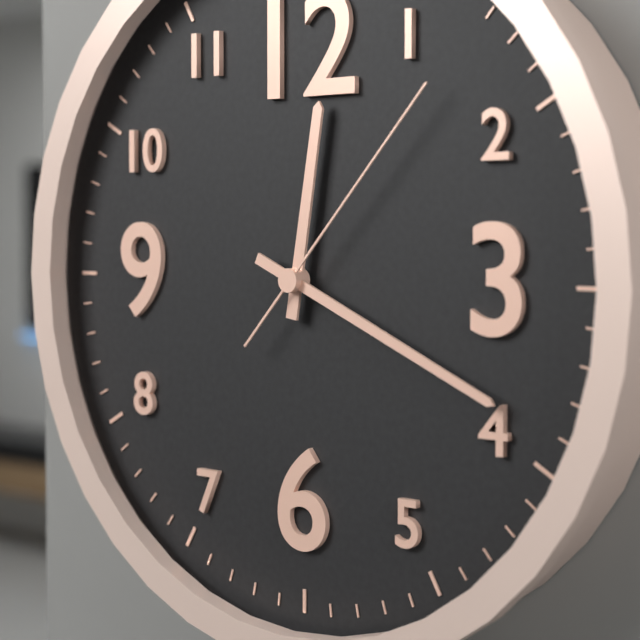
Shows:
12h19m07s
